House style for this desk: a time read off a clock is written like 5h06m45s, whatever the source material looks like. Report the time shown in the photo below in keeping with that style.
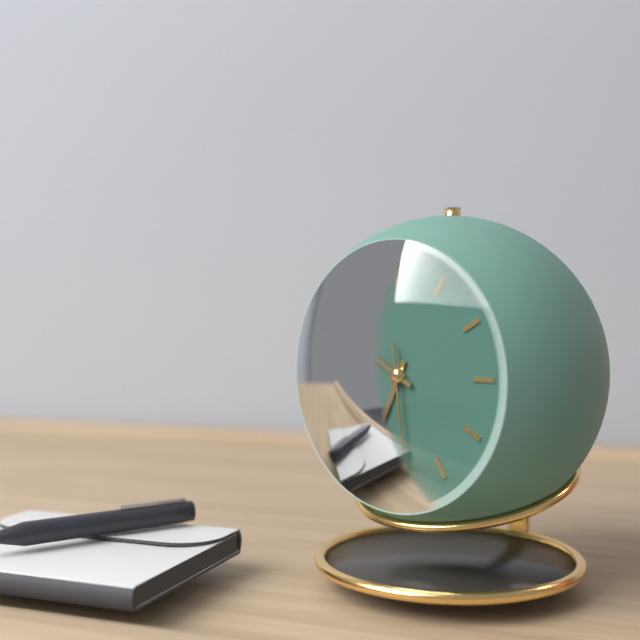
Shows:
6h50m29s
